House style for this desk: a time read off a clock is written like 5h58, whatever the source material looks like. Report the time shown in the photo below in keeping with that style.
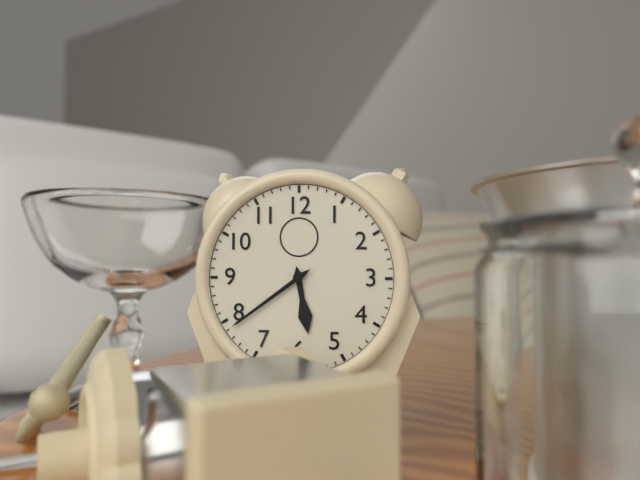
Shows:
5h39
